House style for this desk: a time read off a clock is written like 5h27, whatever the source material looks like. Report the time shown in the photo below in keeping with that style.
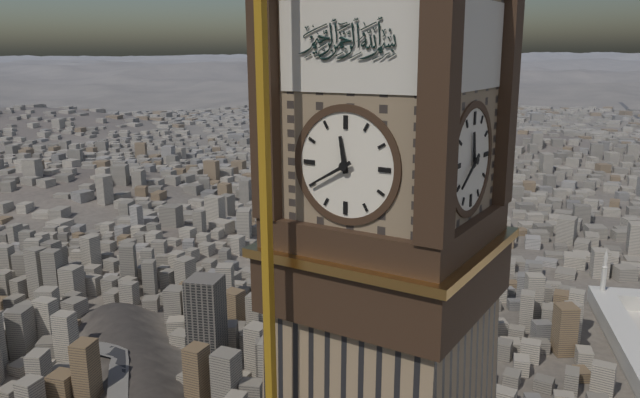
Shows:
11h40
